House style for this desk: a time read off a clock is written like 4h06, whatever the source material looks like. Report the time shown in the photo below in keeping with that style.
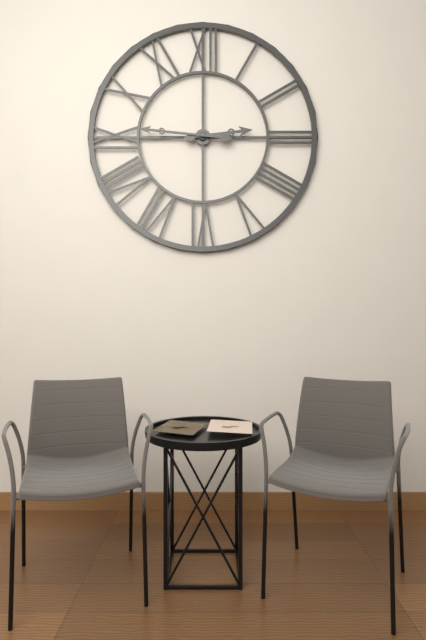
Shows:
2h46
